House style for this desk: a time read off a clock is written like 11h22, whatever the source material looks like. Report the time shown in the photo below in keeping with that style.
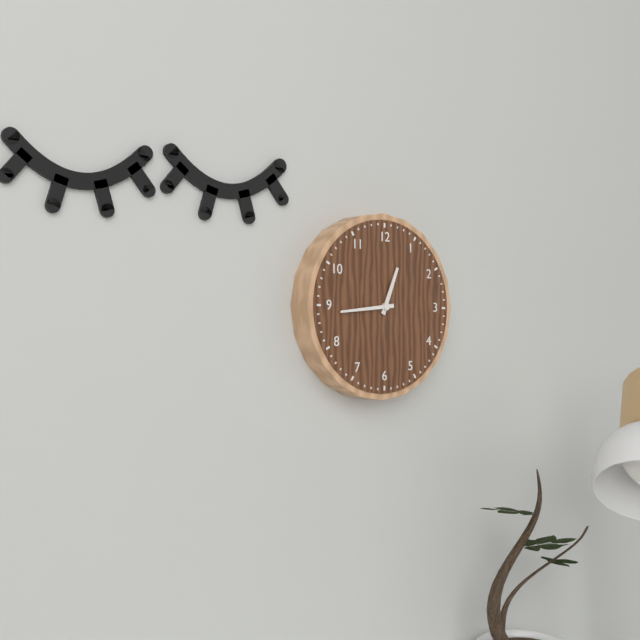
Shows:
12h44
